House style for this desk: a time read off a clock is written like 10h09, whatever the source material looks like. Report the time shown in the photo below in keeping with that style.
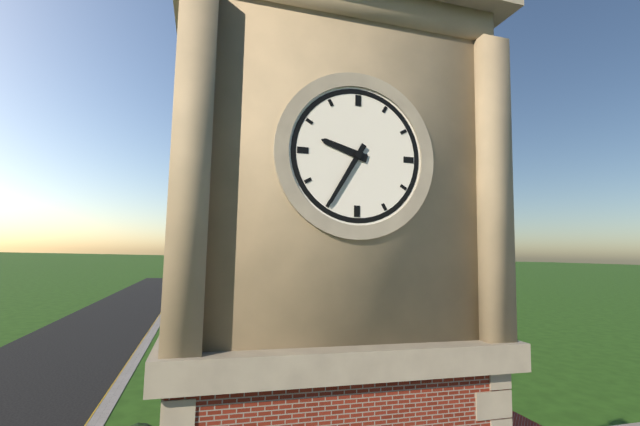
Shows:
9h35
